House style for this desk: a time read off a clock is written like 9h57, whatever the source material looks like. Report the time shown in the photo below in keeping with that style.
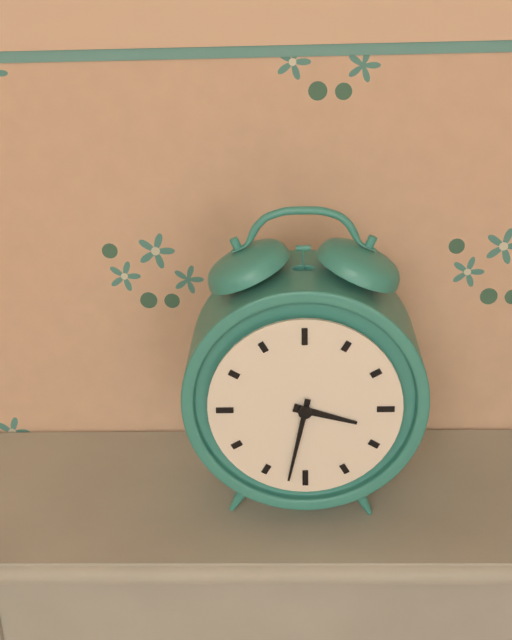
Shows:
3h32
